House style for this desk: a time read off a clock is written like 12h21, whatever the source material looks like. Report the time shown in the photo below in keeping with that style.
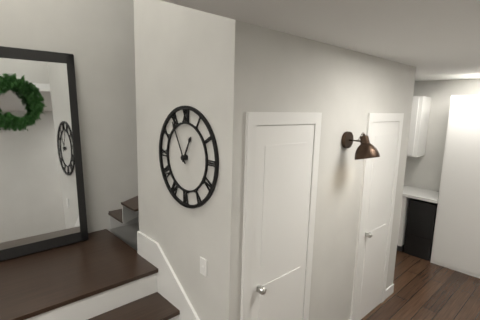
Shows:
12h55
